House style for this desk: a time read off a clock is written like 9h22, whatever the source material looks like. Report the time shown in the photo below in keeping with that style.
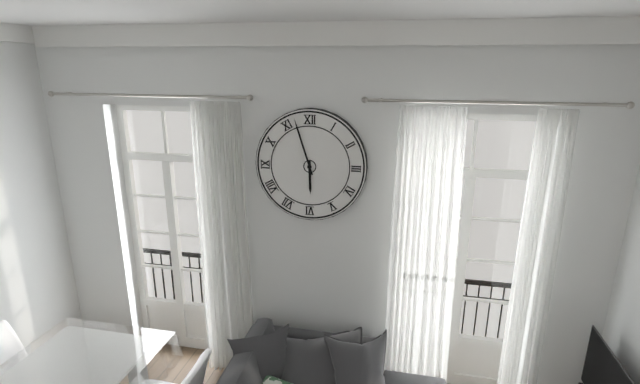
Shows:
5h57
